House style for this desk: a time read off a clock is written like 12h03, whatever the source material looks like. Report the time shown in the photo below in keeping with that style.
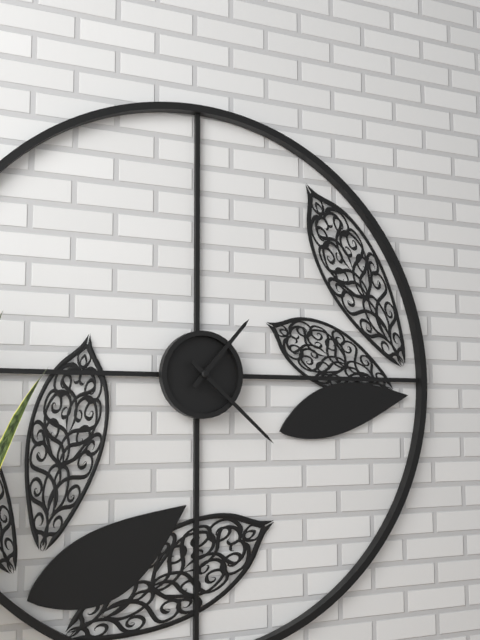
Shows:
1h22
